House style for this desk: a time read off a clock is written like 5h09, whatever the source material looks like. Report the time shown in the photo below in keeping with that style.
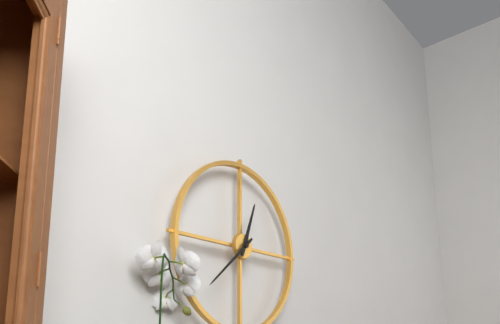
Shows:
12h38
